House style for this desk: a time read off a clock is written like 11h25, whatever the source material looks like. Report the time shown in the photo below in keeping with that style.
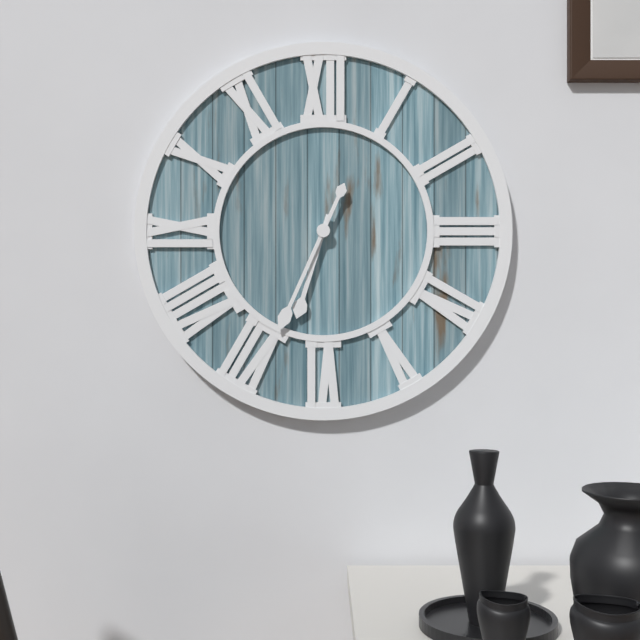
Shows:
6h34
